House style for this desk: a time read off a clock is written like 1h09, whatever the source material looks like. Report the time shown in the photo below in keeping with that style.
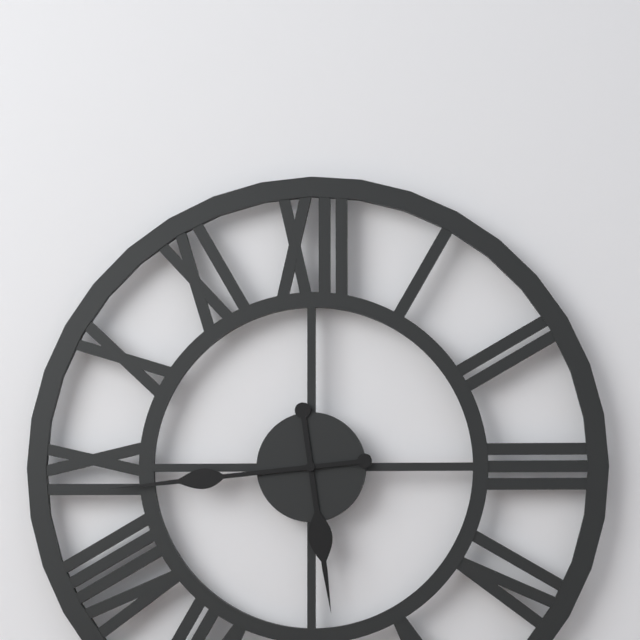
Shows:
5h44
